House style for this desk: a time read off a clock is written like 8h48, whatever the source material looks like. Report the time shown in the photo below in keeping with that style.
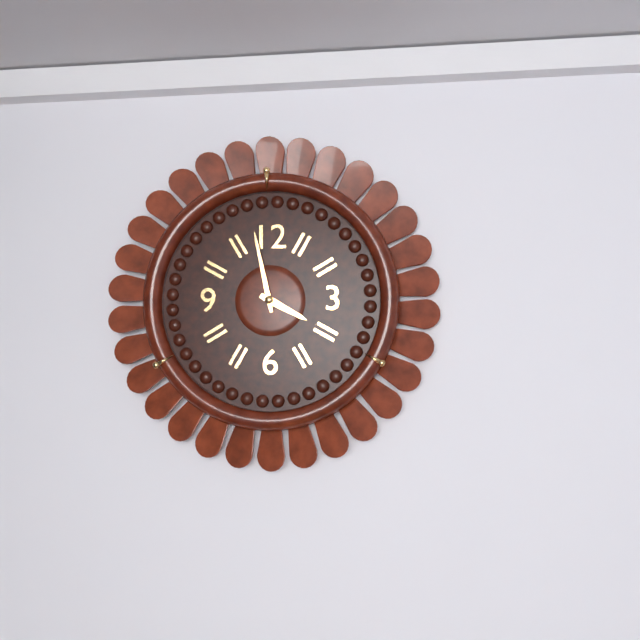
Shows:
3h58
